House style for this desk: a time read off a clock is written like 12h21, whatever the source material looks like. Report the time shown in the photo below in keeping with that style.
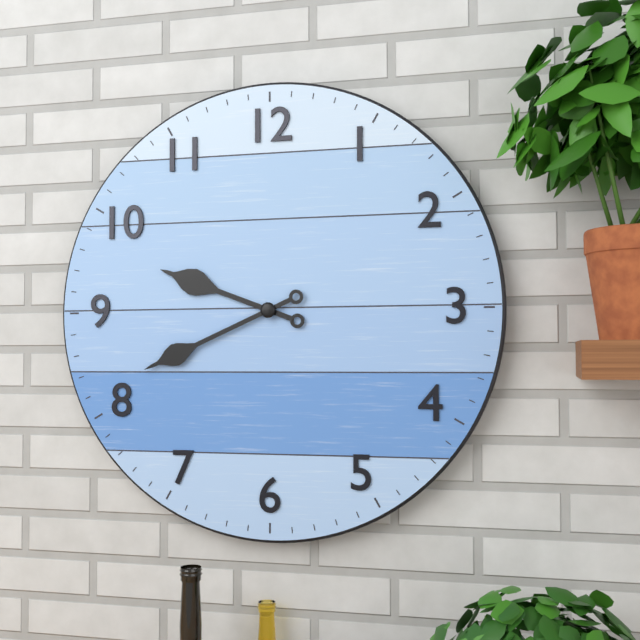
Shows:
9h41
